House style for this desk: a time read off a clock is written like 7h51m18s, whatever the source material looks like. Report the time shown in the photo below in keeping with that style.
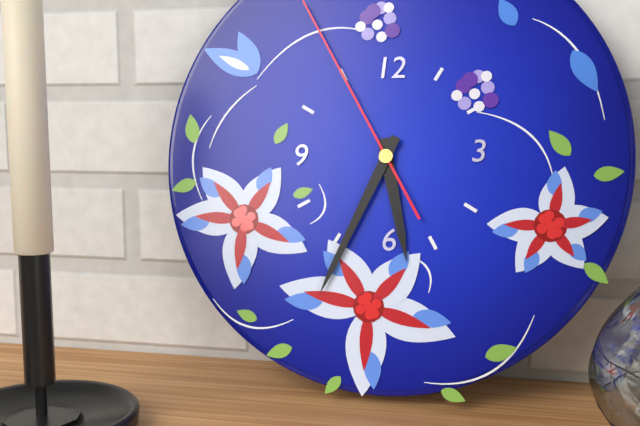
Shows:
5h34m55s
